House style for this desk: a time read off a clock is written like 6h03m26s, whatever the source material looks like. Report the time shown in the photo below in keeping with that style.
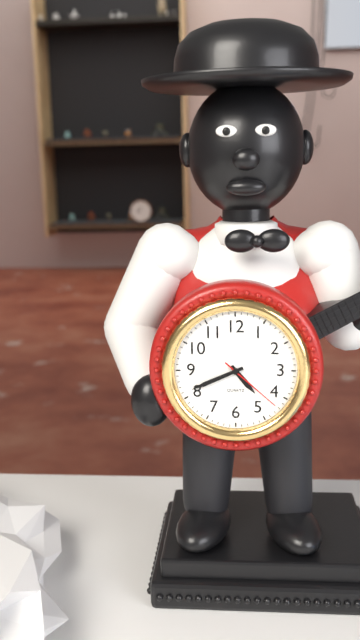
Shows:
4h41m22s
